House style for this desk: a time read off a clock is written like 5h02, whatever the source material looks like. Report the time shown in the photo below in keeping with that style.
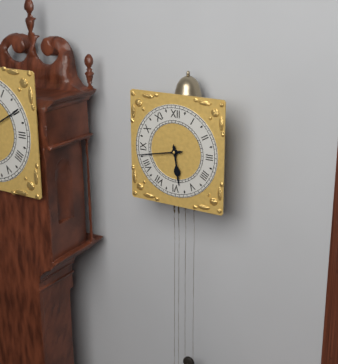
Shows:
5h43
